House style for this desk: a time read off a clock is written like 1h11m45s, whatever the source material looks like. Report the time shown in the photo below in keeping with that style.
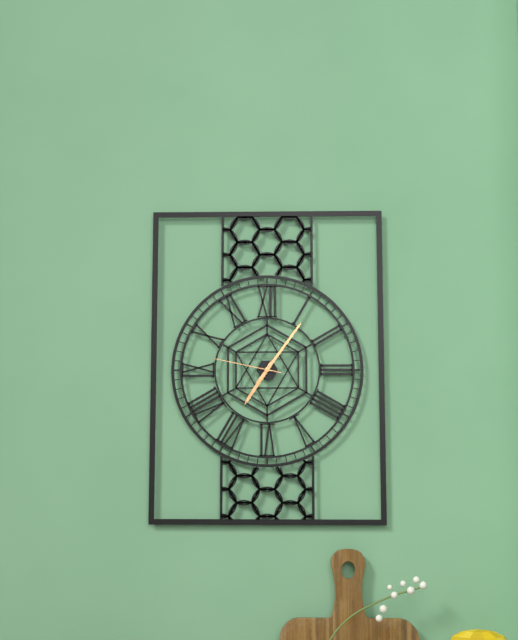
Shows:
7h06m47s
